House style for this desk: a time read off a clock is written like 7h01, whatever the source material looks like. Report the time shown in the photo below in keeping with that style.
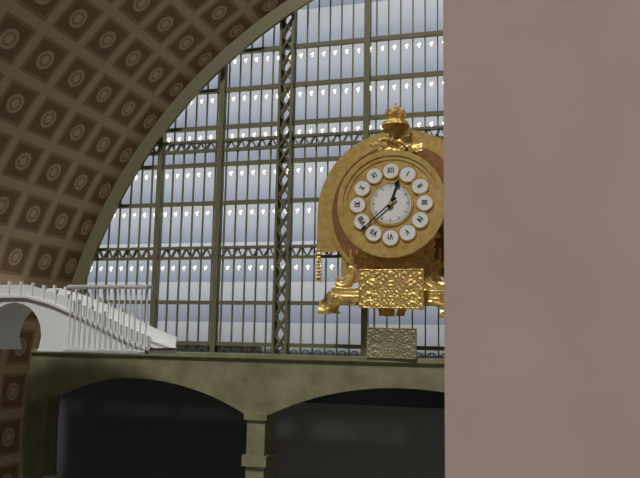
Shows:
12h38
